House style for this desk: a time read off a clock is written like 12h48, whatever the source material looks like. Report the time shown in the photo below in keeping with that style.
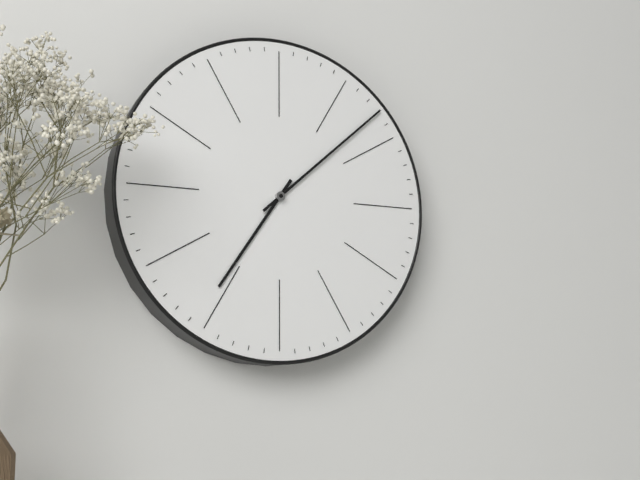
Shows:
7h08
